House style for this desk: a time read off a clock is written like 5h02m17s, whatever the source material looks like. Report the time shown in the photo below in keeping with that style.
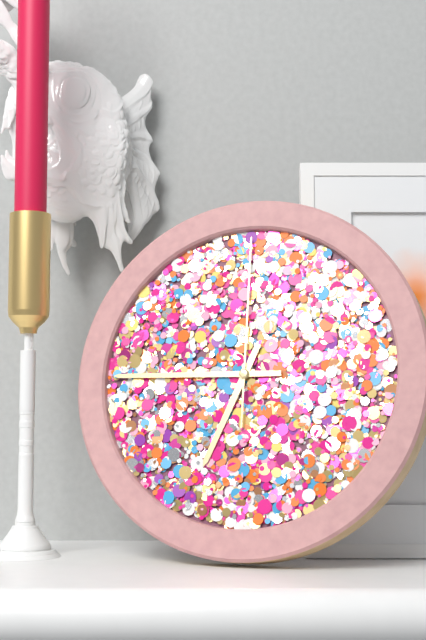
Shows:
6h45m00s
